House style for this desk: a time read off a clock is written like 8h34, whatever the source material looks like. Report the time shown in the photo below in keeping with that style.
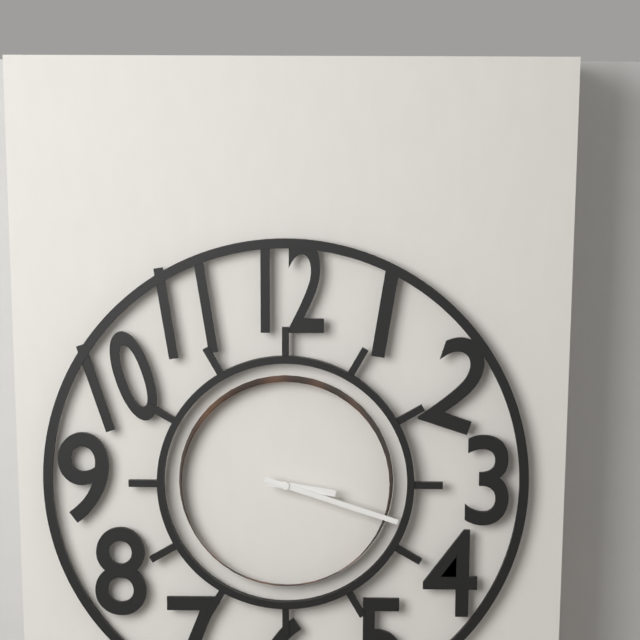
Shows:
3h18
